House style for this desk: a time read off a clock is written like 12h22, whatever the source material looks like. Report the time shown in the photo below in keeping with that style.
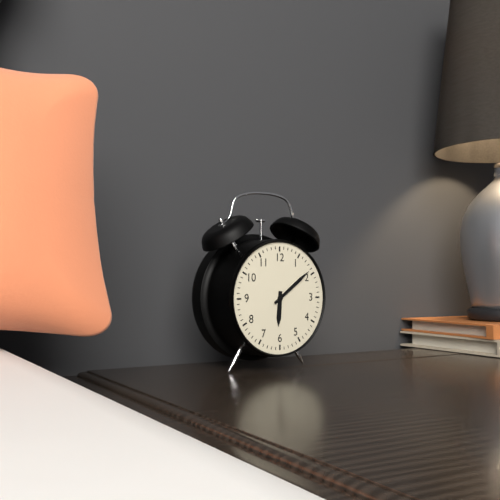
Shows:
6h09
